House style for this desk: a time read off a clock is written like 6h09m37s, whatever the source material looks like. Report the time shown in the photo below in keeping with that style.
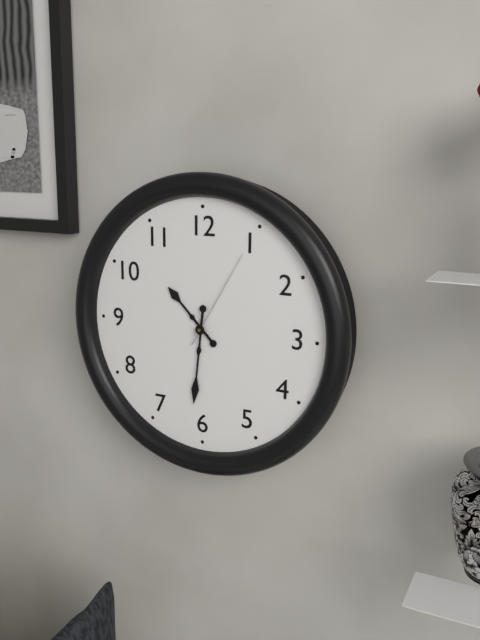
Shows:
10h31m05s
